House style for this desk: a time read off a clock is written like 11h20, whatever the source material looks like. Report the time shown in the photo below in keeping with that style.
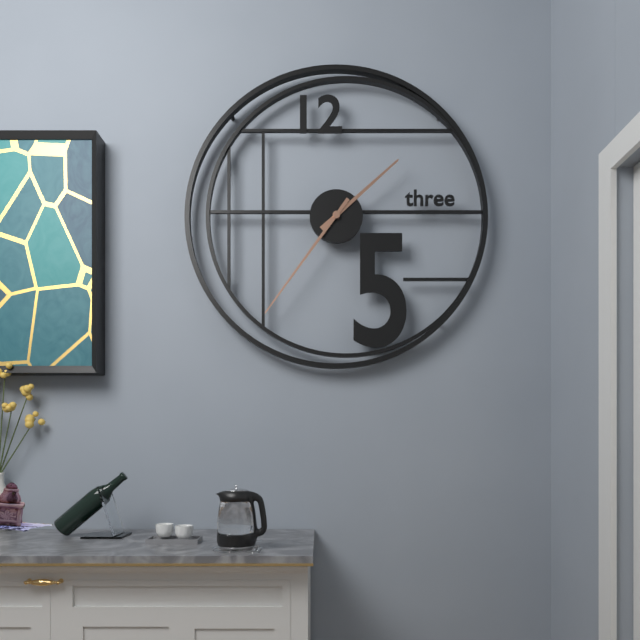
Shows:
1h36
